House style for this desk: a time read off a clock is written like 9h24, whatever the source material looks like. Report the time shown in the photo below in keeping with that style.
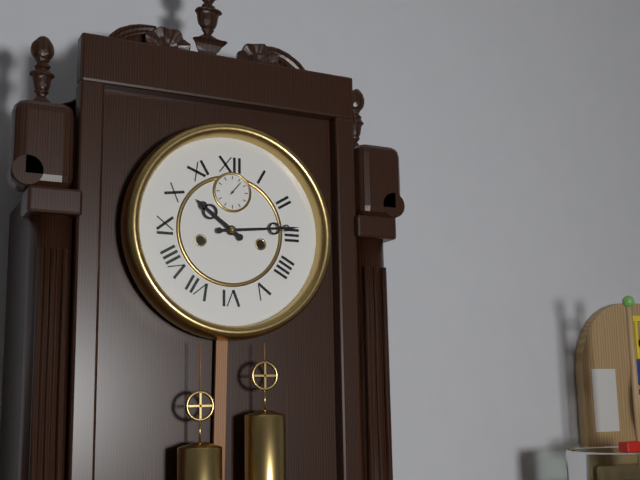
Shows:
10h14
